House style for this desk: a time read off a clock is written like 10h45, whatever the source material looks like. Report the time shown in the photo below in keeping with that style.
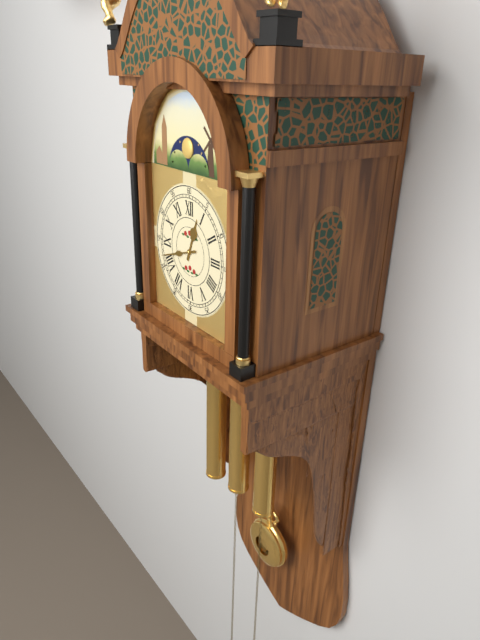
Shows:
12h42
